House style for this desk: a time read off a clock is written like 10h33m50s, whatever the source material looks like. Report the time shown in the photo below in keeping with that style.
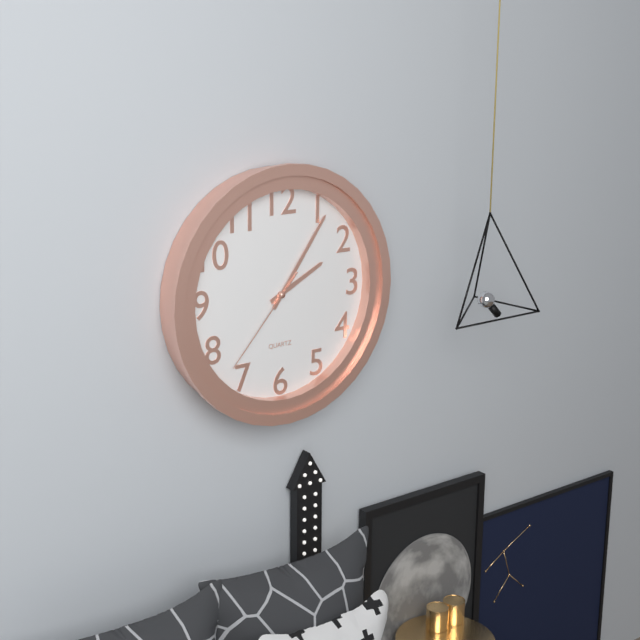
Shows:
2h06m37s
